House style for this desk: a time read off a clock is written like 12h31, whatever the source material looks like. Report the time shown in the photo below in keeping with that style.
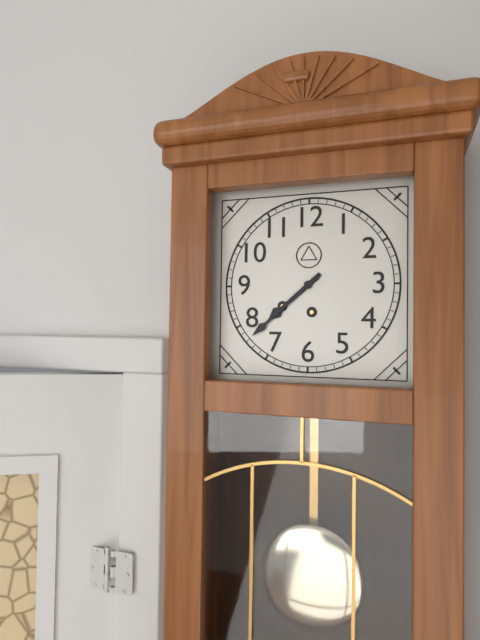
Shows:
7h38
